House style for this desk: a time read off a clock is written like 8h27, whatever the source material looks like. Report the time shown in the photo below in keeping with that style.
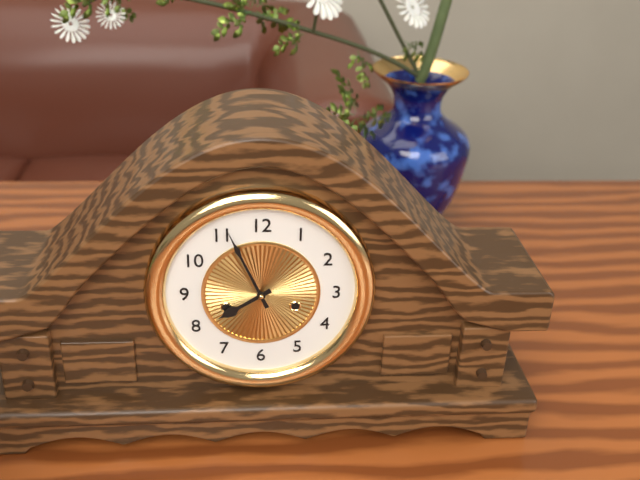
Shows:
7h56
